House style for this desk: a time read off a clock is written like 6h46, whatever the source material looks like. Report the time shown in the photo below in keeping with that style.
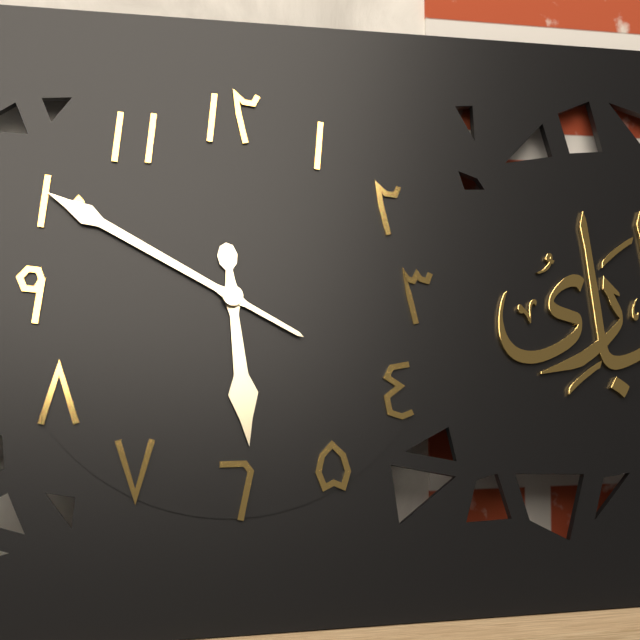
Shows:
5h50
